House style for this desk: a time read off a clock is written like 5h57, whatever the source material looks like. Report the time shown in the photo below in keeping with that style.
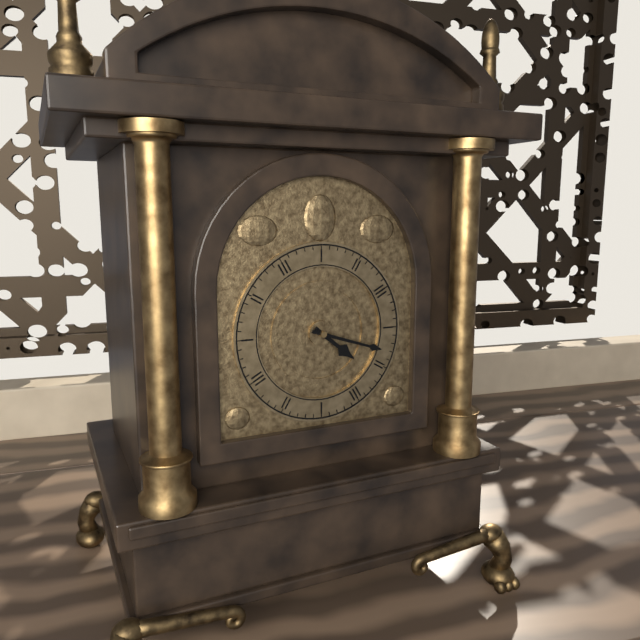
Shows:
4h18
